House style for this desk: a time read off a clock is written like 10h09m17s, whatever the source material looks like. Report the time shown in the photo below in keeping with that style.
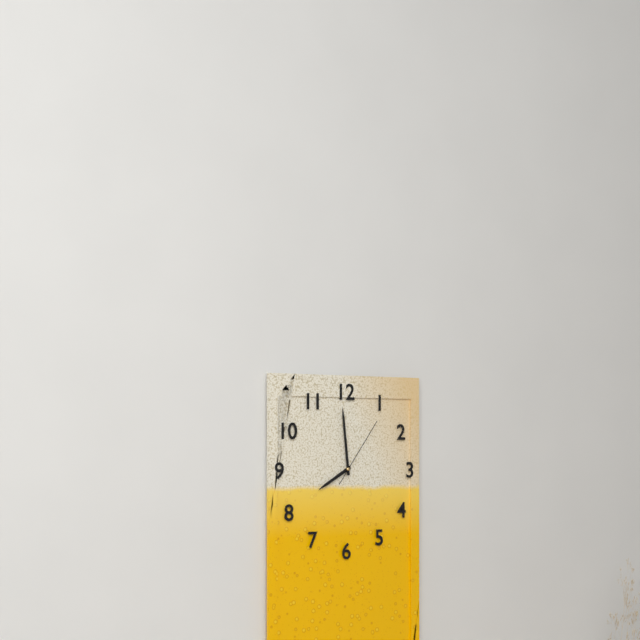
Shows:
7h59m06s
